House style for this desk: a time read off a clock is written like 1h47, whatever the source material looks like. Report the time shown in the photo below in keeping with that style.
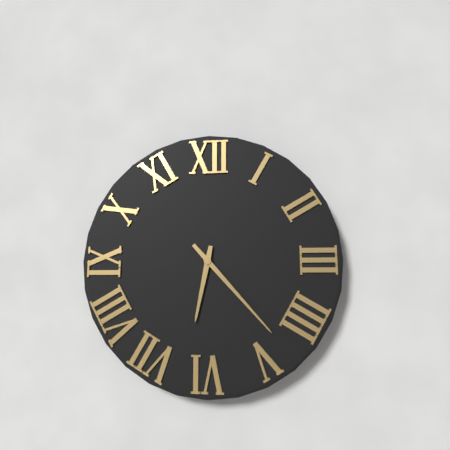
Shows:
6h23
